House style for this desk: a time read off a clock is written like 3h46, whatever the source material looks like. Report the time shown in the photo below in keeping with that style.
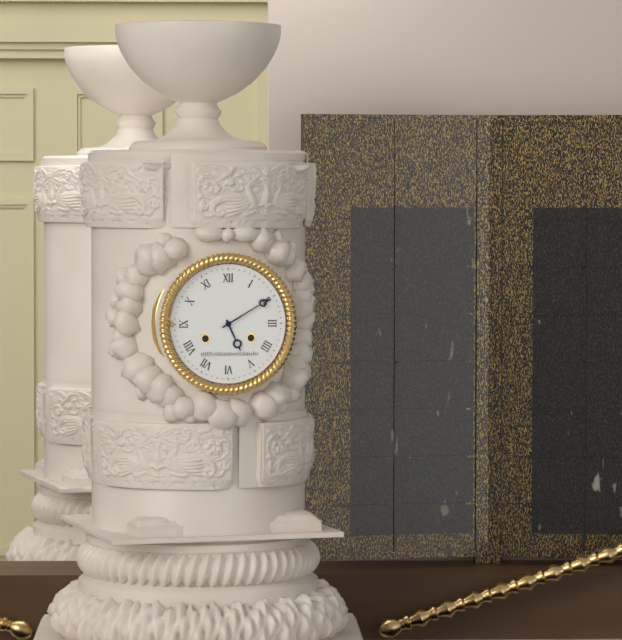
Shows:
5h10
